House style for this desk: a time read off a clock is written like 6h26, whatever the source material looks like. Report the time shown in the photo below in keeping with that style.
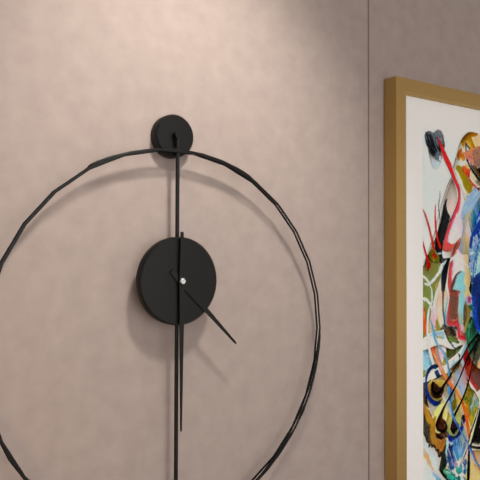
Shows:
4h30
